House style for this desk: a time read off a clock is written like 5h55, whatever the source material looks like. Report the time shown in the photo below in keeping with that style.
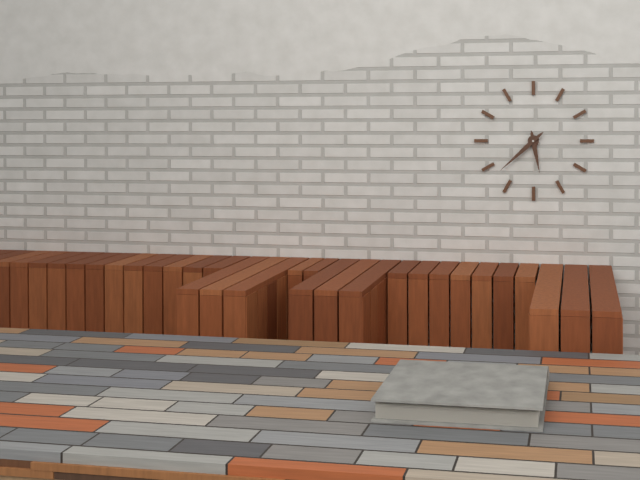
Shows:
5h38
